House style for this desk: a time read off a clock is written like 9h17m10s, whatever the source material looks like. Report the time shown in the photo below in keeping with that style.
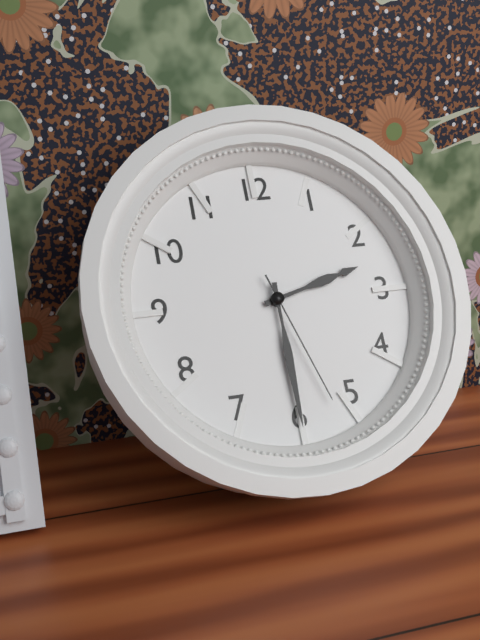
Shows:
2h30m27s
